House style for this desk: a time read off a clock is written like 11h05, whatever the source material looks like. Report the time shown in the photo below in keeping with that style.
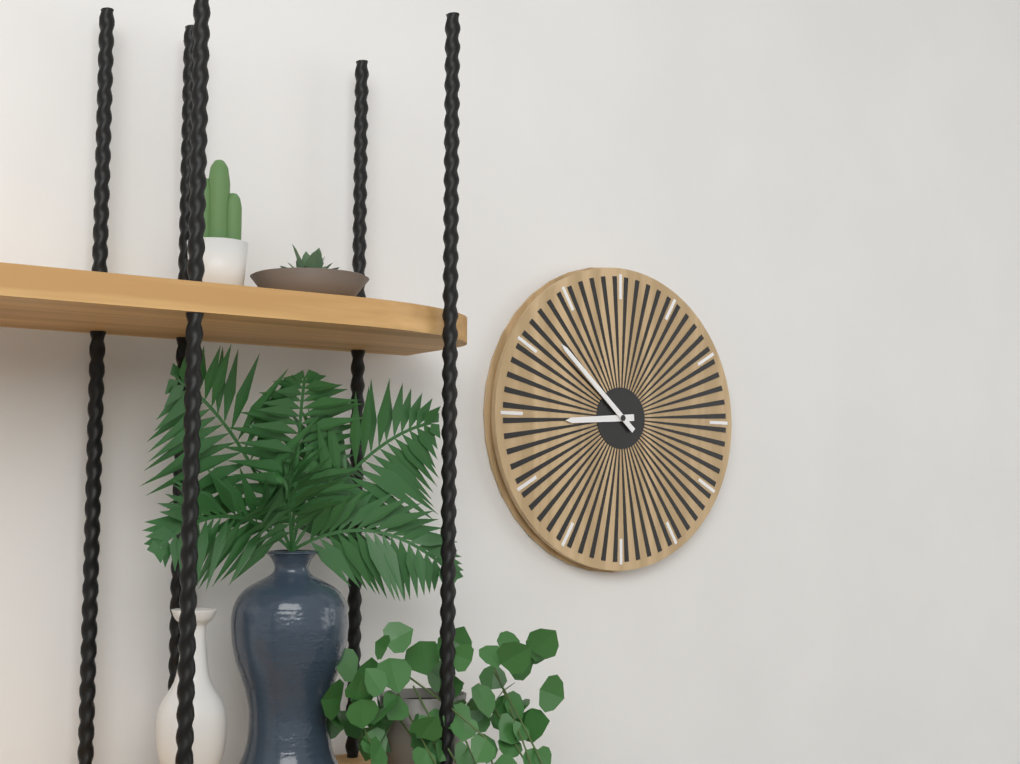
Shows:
8h52
